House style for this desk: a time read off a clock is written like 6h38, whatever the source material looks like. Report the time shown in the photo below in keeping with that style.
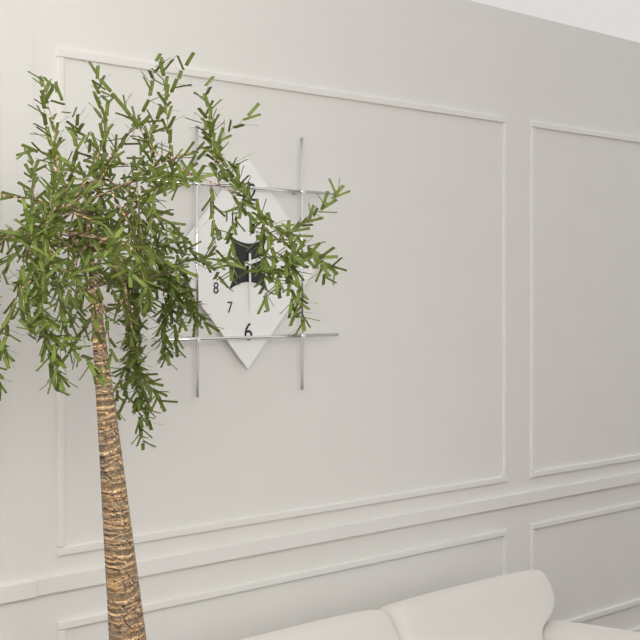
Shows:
2h30
